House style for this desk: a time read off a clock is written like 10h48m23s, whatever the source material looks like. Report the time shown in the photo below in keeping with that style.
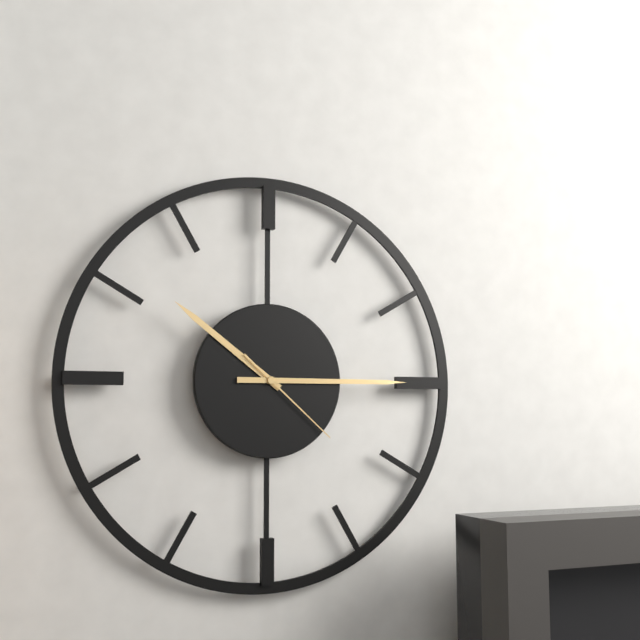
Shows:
10h15m22s
